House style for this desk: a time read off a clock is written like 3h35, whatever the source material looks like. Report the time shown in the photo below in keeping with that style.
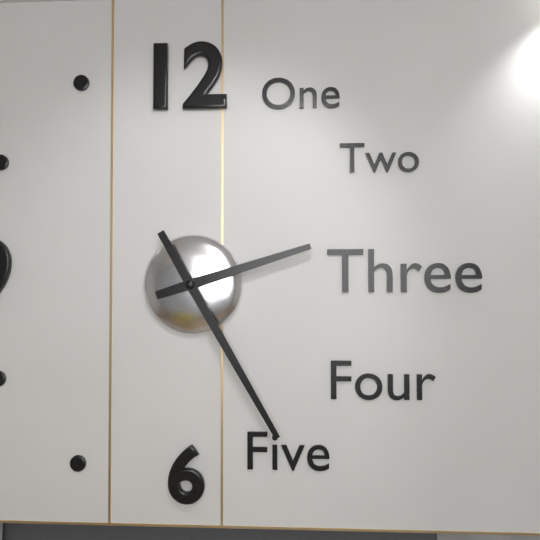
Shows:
2h25
